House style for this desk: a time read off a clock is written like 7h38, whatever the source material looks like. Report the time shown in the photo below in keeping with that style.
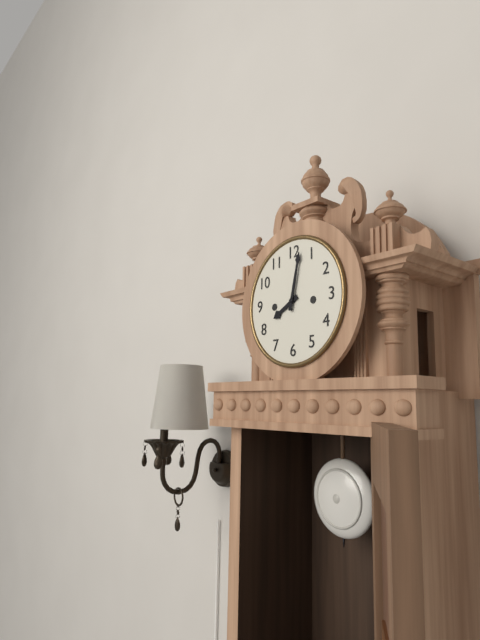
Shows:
8h02
